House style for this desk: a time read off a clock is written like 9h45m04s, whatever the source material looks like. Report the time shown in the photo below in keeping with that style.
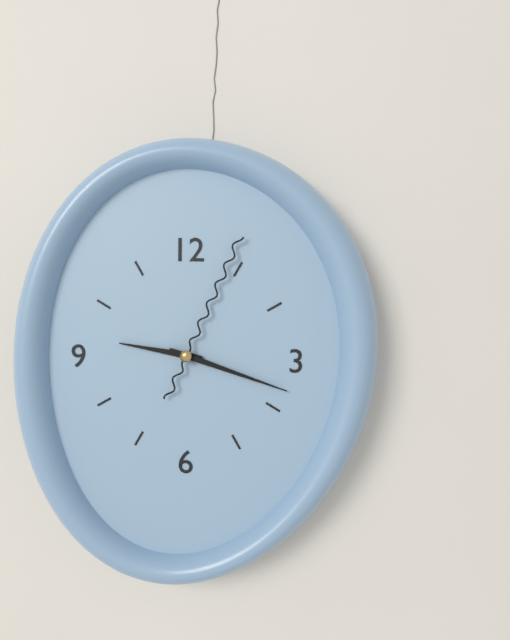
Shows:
9h18m04s
